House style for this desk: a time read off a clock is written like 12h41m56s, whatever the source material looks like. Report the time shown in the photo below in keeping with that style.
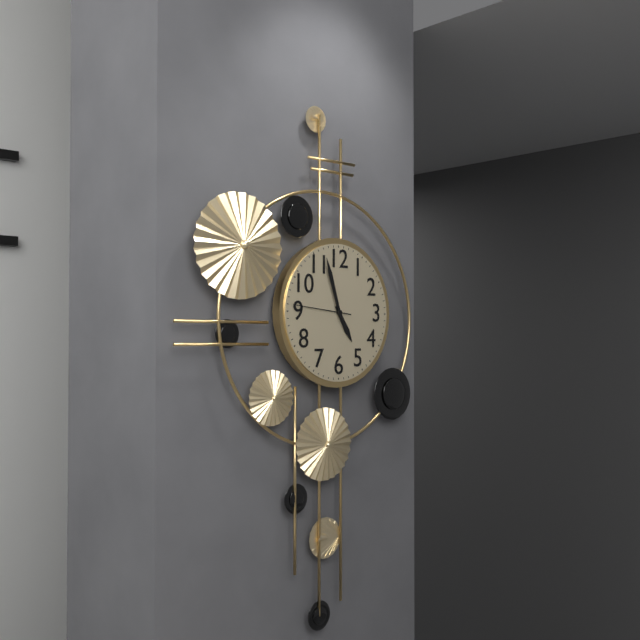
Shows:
4h57m46s
